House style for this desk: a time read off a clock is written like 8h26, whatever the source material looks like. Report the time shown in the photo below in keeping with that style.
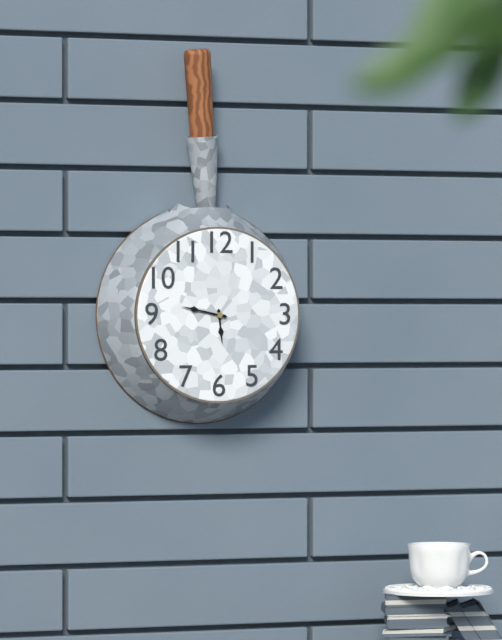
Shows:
5h47
